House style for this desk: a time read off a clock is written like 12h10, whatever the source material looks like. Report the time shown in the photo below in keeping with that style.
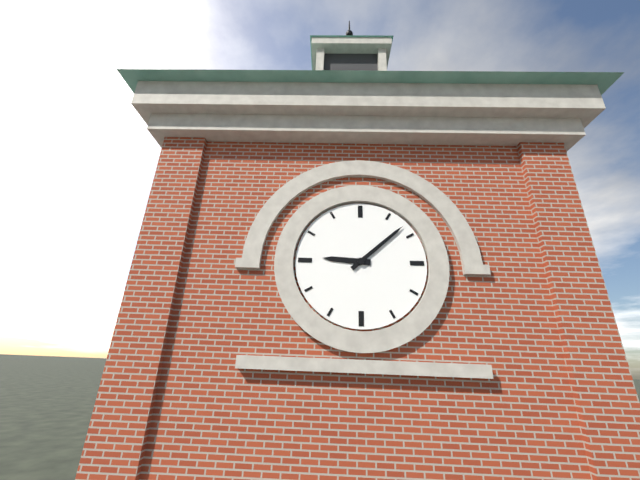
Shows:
9h08
